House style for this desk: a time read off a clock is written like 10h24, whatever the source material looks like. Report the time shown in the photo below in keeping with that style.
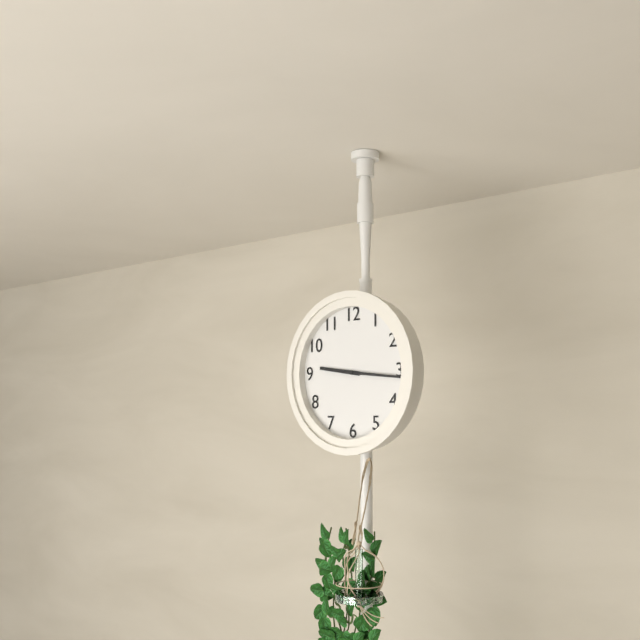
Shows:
9h16
